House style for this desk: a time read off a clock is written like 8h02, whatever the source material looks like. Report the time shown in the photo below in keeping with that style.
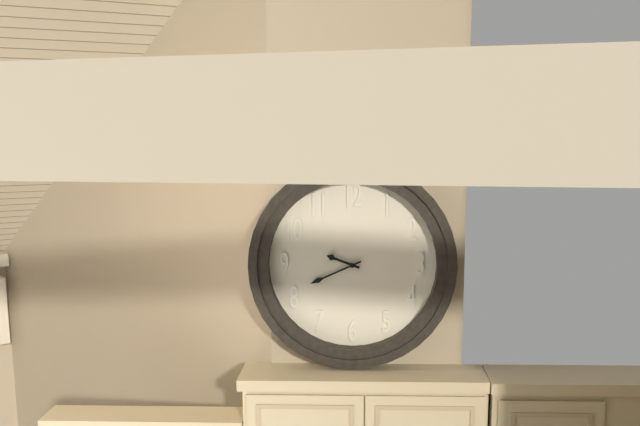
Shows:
9h41
